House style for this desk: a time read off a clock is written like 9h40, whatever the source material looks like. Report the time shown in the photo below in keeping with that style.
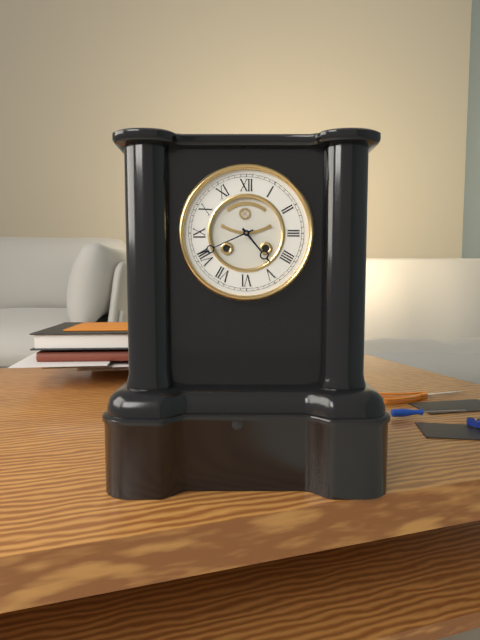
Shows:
4h41
